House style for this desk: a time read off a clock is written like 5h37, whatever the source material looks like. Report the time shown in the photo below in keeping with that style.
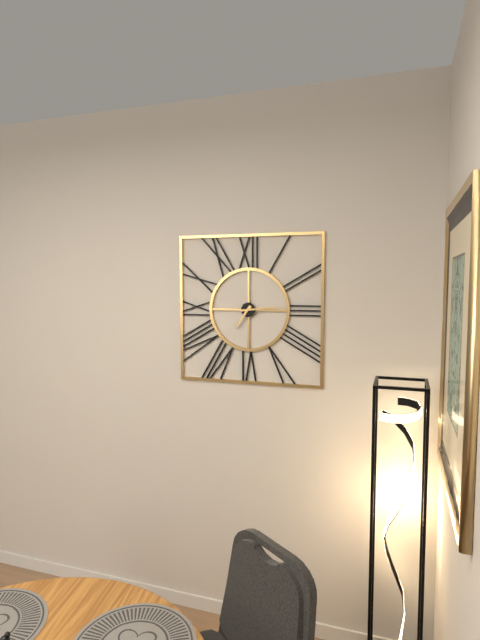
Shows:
7h14
